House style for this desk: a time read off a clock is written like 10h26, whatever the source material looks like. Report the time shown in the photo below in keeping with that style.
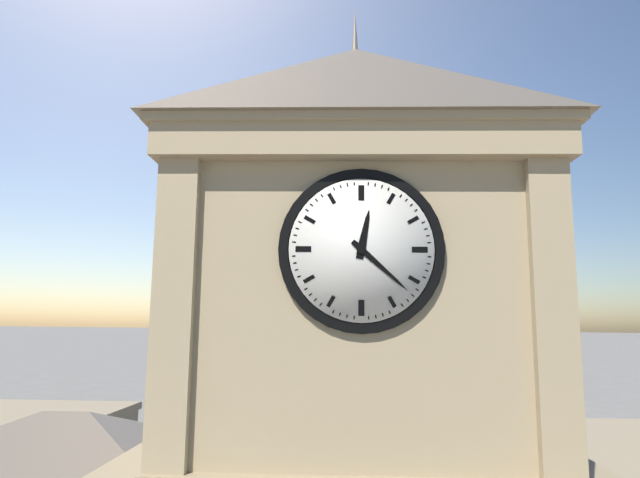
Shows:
12h22
